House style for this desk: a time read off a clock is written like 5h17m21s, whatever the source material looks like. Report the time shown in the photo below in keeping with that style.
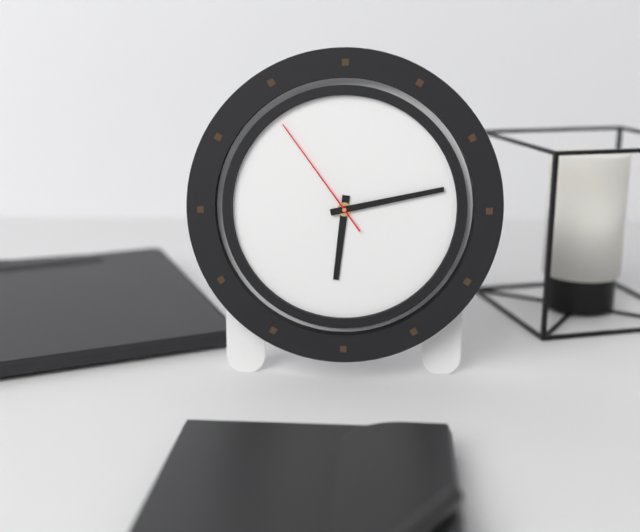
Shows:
6h13m54s
